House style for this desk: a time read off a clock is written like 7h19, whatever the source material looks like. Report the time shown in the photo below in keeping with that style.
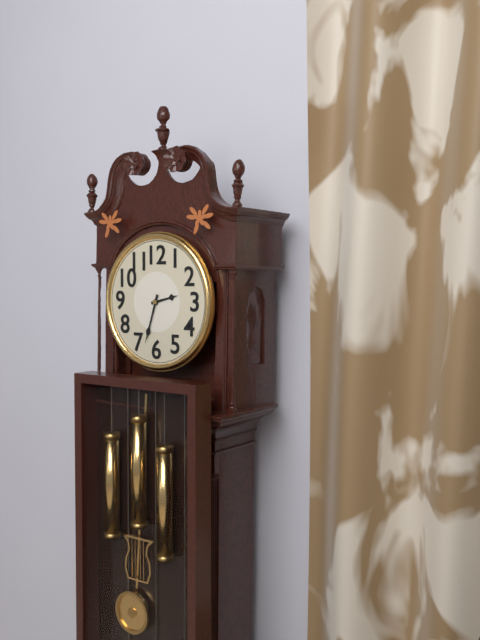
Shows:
2h33
